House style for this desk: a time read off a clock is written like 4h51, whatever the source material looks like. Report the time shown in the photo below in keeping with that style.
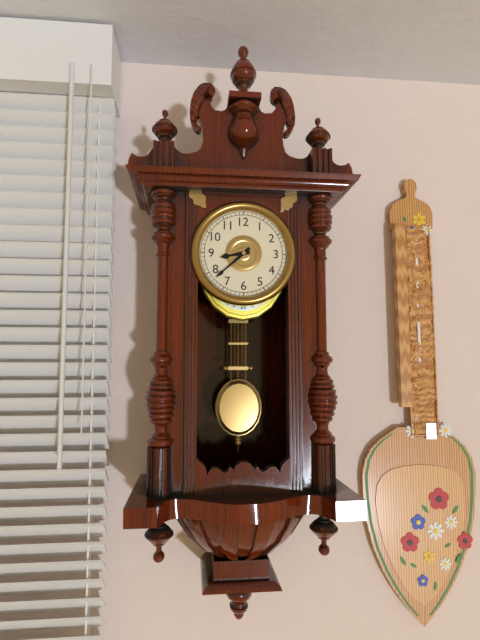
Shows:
8h38
